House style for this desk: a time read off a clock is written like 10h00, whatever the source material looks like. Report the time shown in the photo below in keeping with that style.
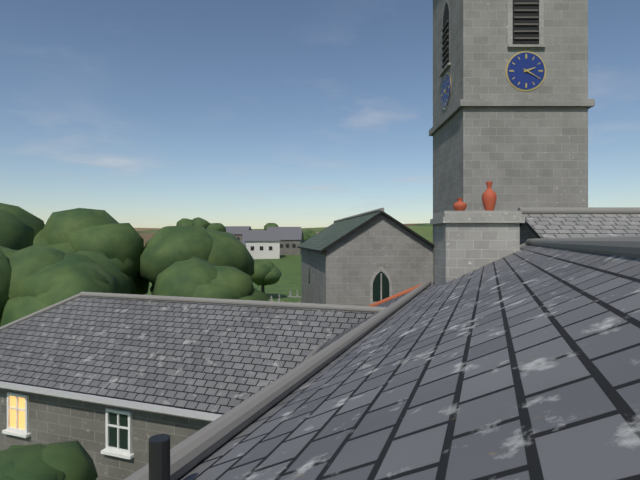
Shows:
2h20
